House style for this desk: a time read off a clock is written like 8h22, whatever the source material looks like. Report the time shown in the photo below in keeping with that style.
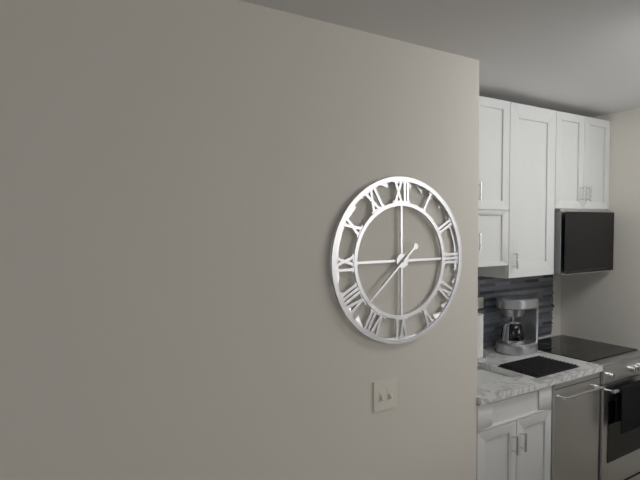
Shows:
7h38
